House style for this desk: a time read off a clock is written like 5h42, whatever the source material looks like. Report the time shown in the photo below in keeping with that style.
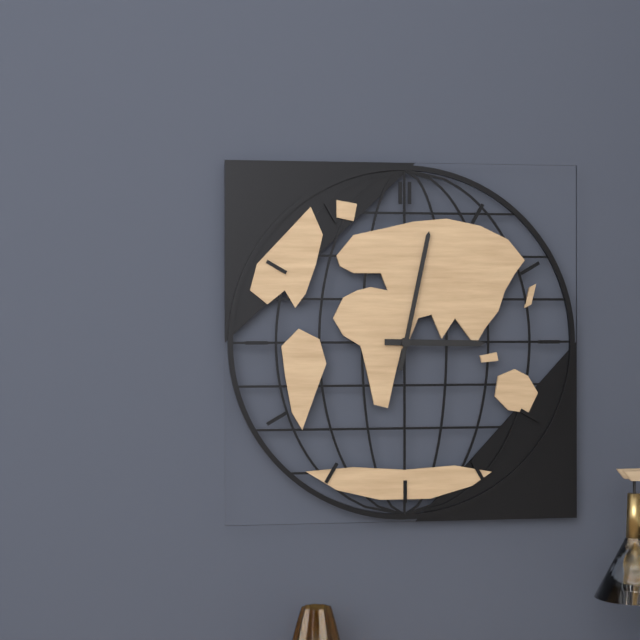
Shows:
3h02
